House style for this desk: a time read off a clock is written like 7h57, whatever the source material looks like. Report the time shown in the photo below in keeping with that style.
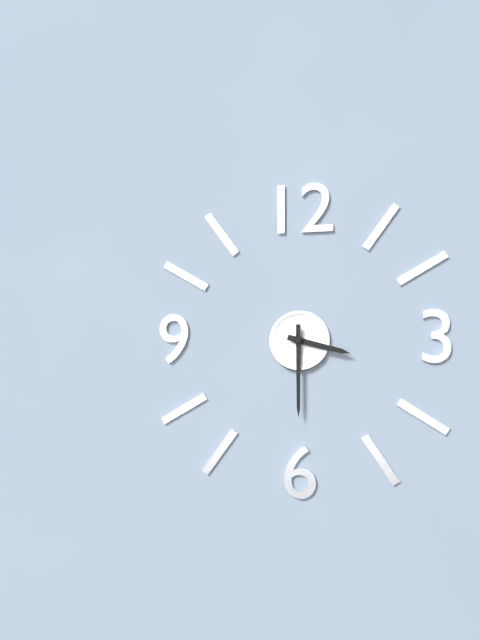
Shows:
3h30
